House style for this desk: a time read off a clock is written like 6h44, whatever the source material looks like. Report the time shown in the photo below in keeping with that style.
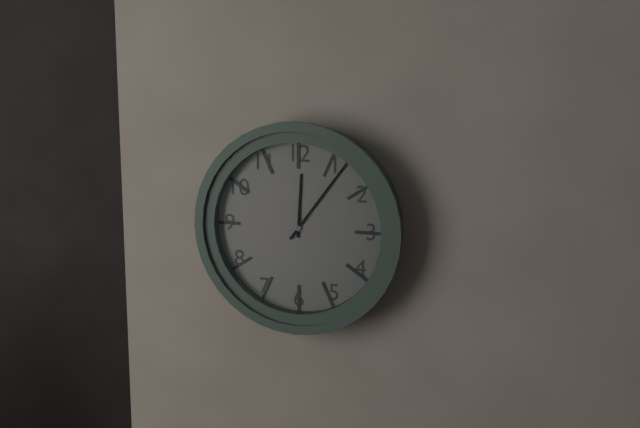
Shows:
12h06
